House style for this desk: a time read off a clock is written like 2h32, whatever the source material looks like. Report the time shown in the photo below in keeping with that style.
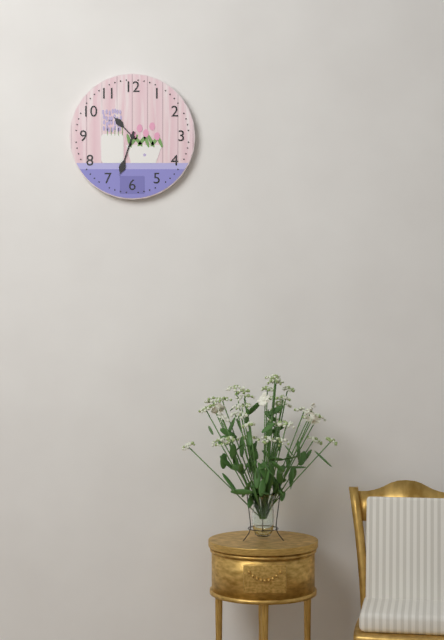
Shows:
10h33
